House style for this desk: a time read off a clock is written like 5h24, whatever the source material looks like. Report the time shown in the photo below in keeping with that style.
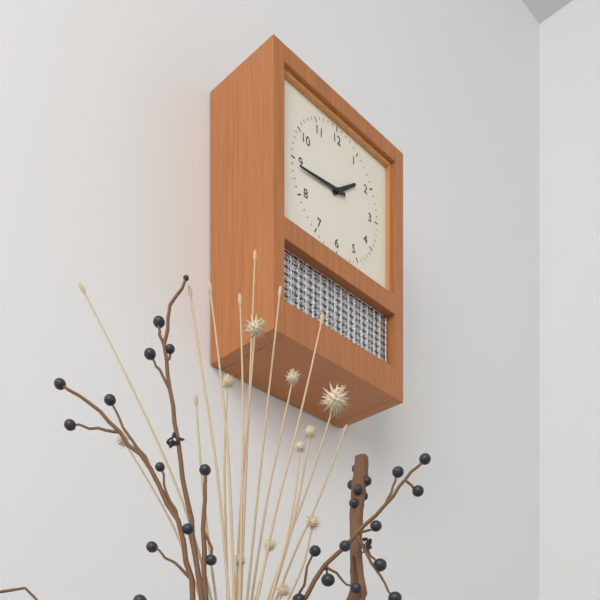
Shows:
1h44
